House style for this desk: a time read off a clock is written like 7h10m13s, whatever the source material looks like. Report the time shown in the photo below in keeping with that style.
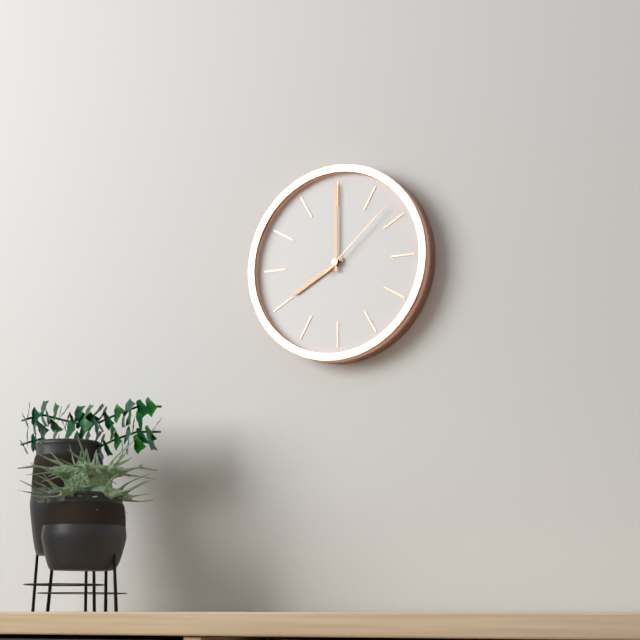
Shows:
8h00m08s
